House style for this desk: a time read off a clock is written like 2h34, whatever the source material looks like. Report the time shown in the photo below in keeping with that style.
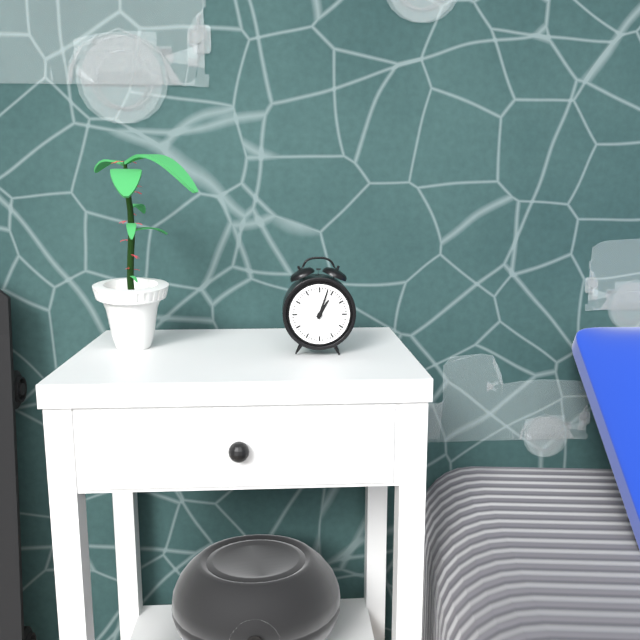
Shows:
1h03
